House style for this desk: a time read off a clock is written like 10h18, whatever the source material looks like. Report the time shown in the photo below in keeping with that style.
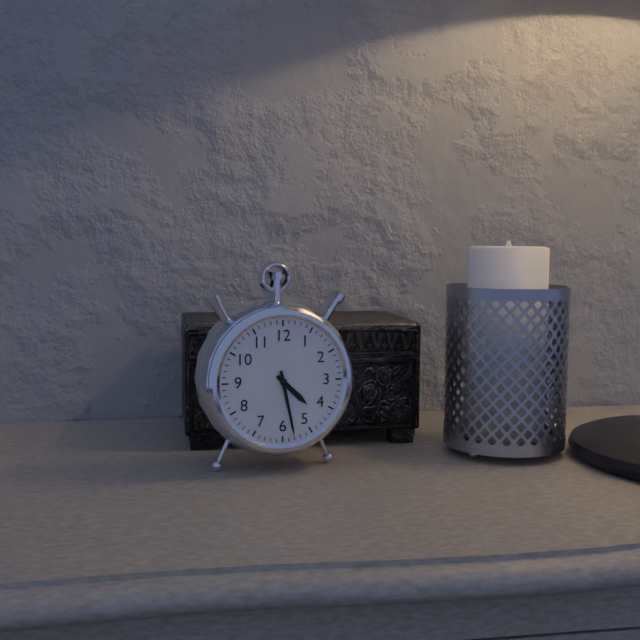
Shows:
4h28
